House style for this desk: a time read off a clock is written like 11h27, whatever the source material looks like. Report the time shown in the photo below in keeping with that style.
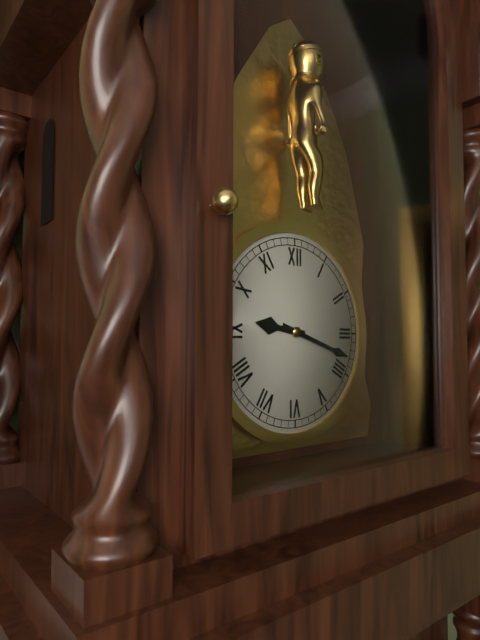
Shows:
9h18
